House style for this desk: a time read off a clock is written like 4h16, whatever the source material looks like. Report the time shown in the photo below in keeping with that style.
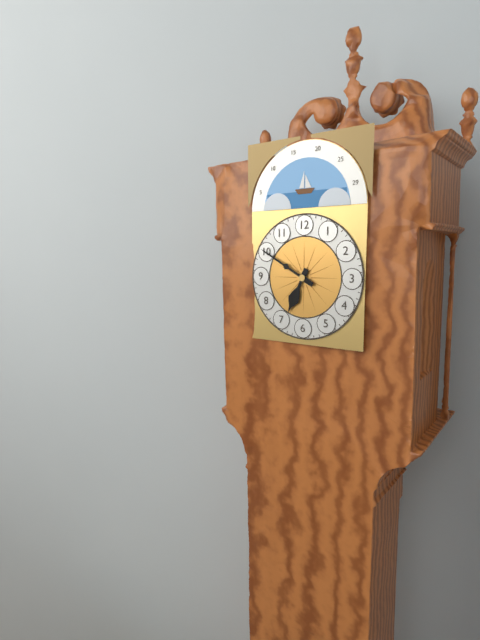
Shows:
6h50
